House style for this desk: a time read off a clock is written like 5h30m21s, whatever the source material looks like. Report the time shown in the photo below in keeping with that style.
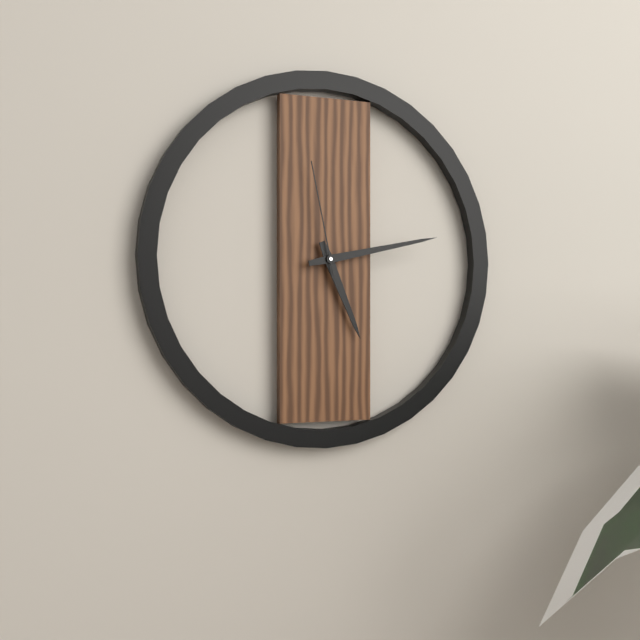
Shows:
5h13m58s
